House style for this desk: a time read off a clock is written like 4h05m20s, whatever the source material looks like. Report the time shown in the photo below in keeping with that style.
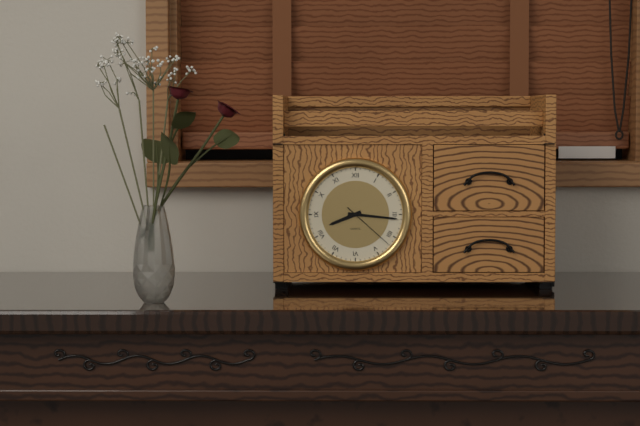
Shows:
8h16m22s
